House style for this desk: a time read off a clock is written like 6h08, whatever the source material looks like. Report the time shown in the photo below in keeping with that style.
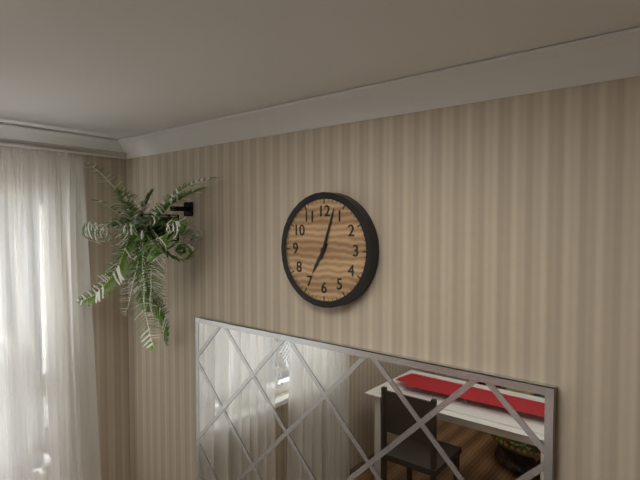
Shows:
7h03
